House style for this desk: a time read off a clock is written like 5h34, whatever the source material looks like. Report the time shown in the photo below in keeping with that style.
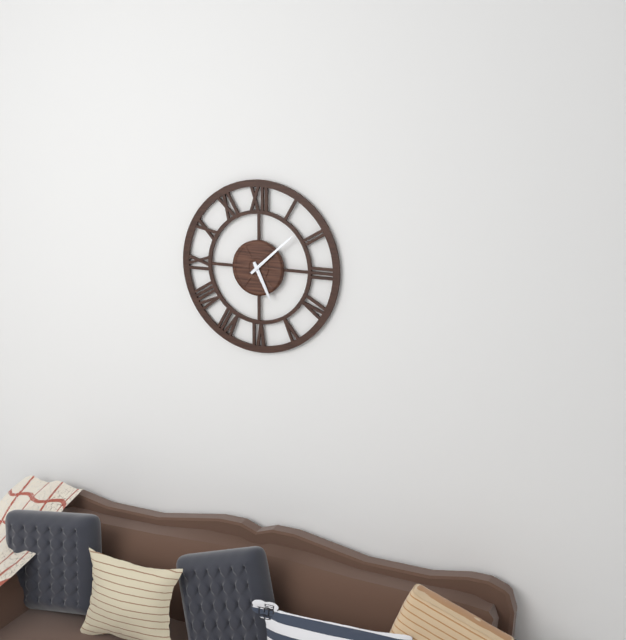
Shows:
5h08
